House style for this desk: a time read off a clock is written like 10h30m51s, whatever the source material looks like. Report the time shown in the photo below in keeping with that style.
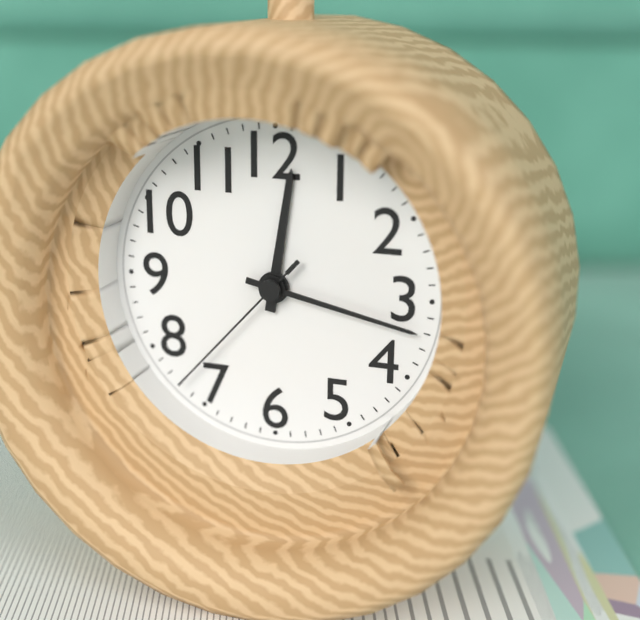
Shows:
12h17m37s
